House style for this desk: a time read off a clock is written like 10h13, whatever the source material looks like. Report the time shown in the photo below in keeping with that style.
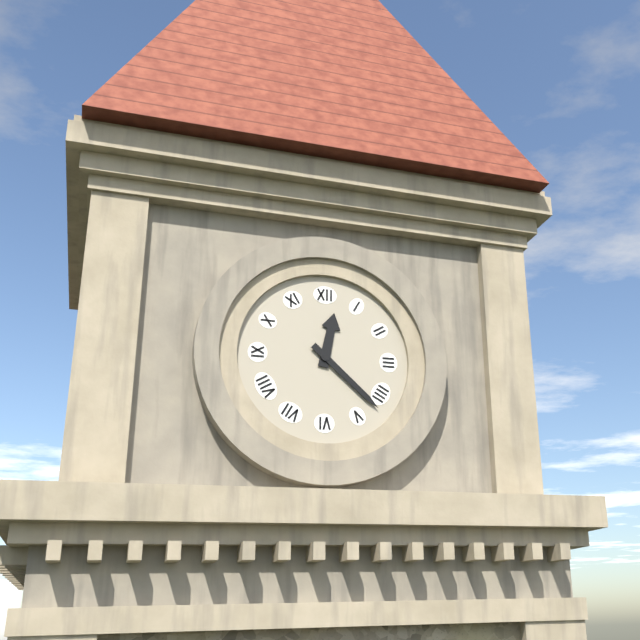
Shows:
12h22
